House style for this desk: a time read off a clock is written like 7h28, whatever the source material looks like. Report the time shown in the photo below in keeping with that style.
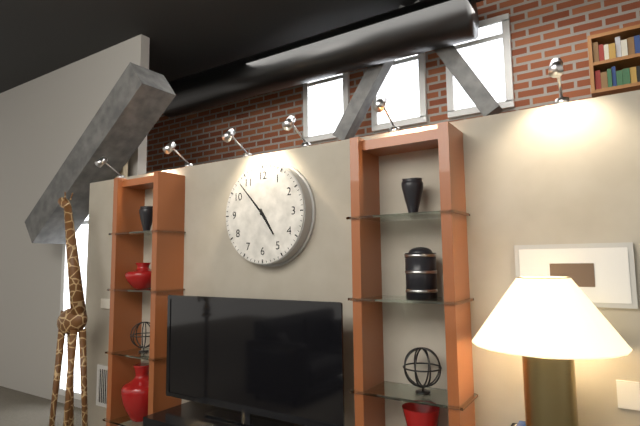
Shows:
4h53
